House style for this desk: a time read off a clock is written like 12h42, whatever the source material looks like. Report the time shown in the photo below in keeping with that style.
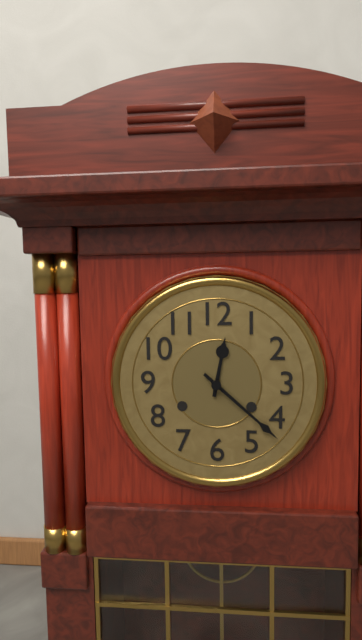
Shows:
12h22
